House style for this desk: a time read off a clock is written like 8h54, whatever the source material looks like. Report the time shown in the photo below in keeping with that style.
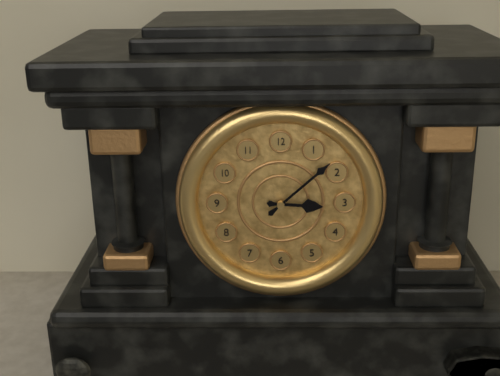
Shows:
3h08
